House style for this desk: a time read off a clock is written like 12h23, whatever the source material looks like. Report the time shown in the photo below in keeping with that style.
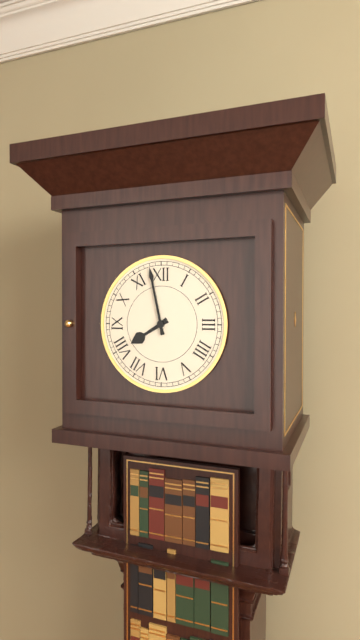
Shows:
7h58
